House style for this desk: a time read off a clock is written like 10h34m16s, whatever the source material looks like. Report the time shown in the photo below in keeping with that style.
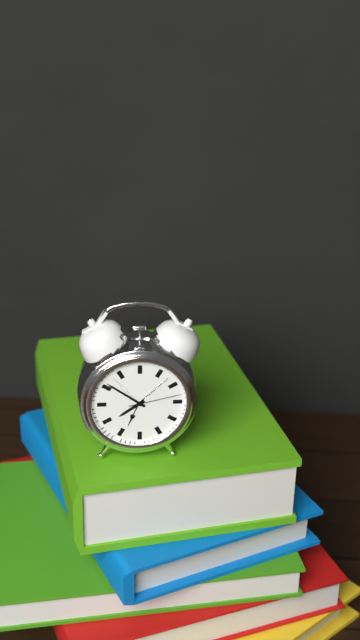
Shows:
7h51m13s
